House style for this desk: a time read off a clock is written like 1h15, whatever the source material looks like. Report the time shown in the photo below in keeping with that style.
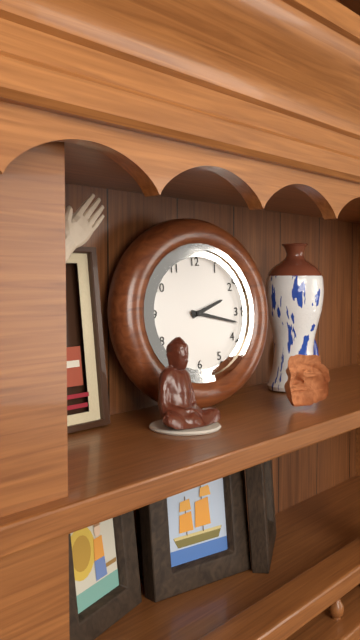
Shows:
2h17
